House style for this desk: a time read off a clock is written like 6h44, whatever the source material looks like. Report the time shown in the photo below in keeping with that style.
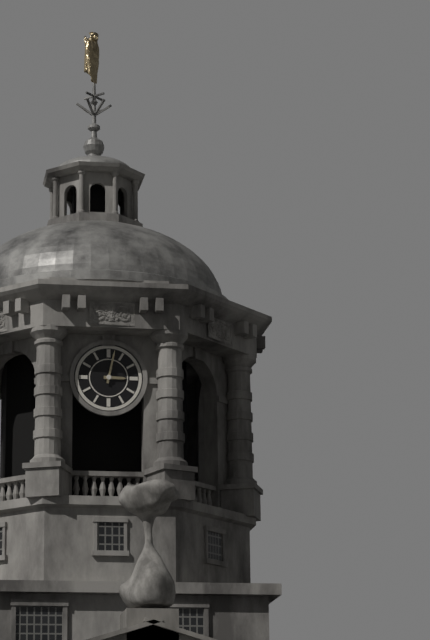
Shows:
3h02
